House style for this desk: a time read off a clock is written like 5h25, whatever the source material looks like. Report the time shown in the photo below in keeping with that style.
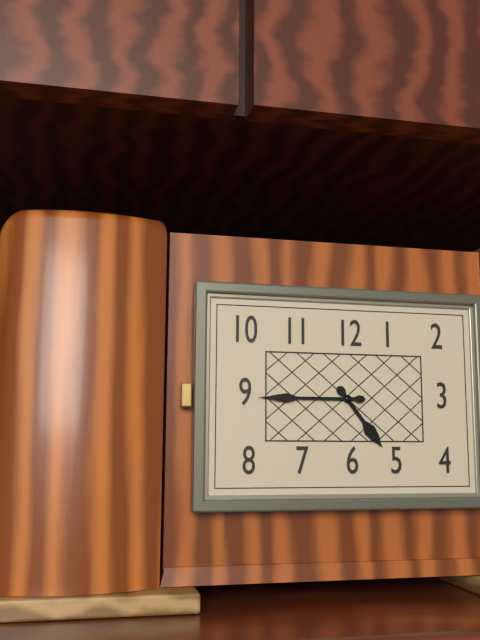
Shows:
4h45
